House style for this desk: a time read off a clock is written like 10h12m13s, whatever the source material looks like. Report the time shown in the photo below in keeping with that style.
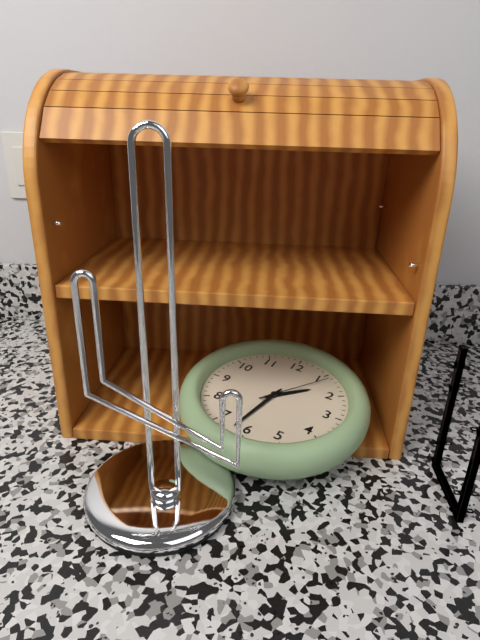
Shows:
1h32m06s
